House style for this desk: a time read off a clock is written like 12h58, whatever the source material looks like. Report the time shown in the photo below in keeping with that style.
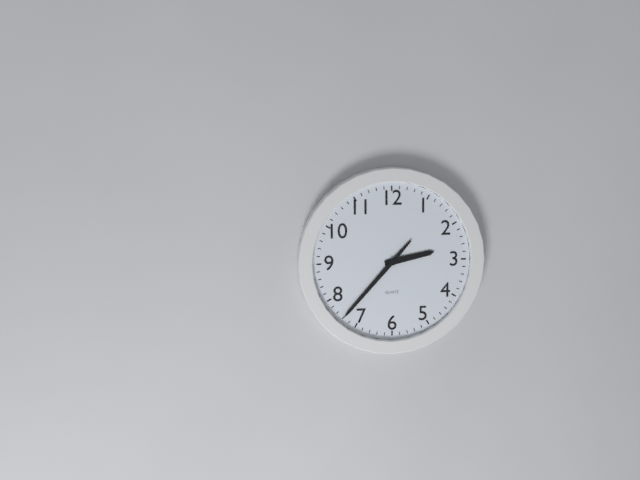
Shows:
2h37
